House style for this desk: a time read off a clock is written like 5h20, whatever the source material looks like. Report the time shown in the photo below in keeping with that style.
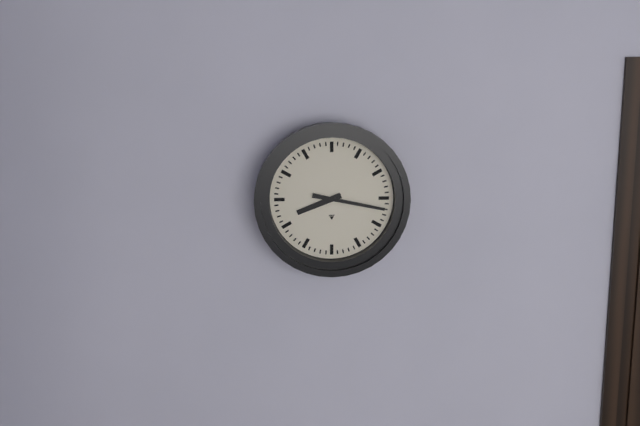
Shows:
8h17
